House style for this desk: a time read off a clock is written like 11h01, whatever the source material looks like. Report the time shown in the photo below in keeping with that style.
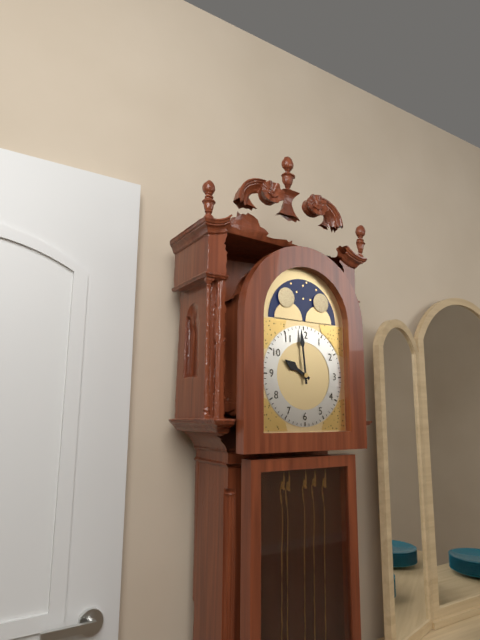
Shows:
9h59
